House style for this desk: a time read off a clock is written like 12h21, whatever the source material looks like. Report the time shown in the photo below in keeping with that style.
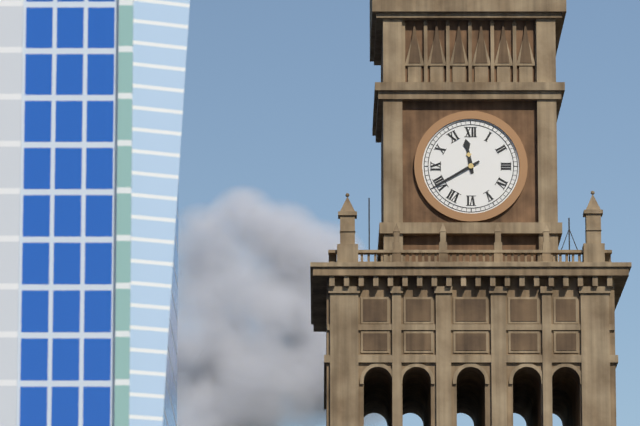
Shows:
11h40
